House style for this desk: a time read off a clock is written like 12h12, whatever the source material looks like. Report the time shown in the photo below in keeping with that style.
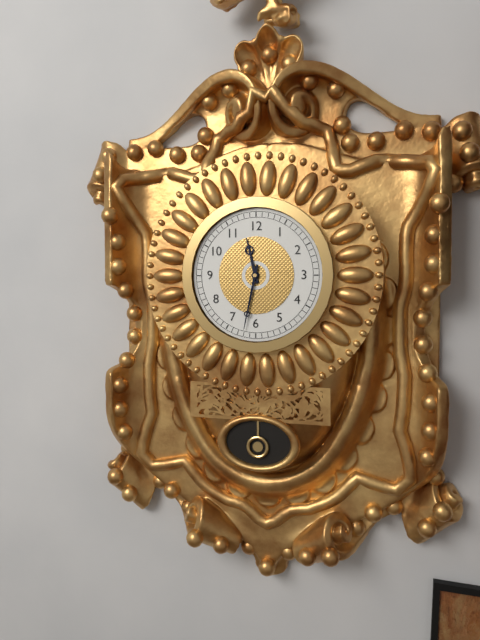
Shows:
11h32
